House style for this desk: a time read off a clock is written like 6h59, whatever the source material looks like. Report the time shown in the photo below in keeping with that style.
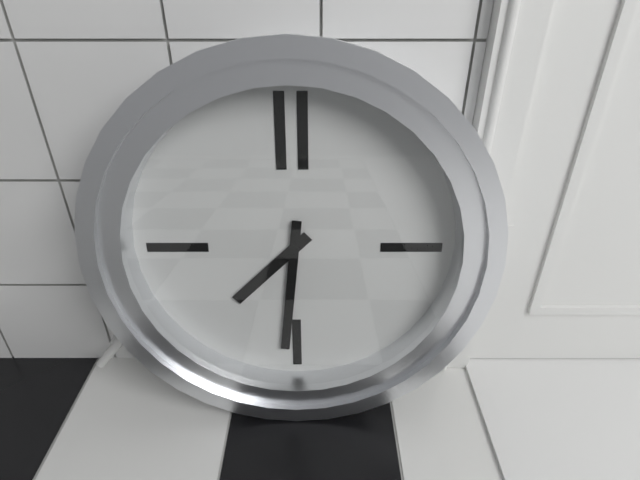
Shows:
7h31
